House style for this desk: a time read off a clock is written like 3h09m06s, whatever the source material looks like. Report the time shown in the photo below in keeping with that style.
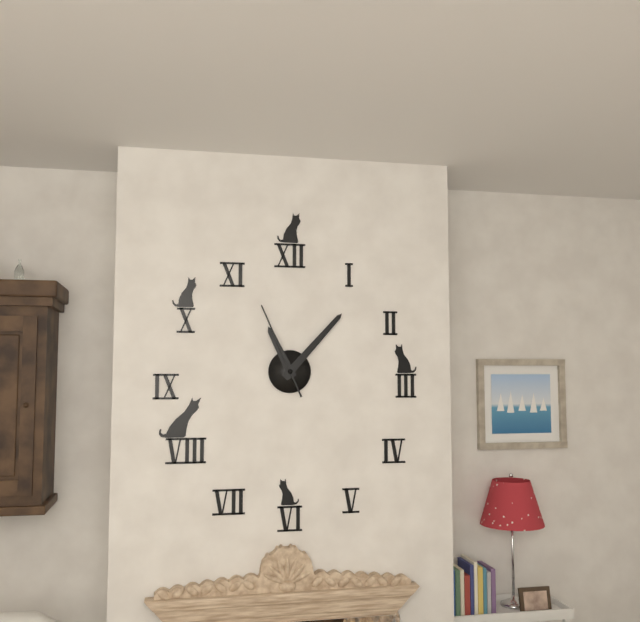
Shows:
11h07m56s
